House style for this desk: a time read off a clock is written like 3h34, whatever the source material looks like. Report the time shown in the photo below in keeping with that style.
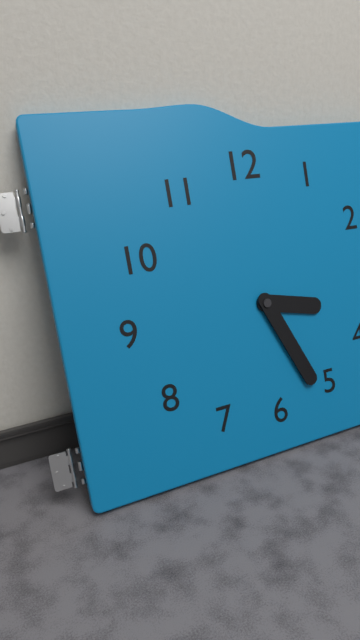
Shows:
3h26
